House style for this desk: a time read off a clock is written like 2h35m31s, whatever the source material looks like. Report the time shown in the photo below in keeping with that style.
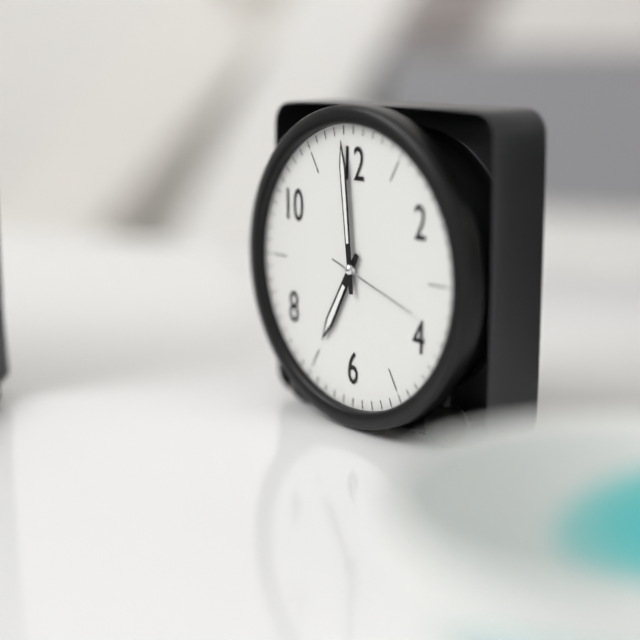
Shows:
6h59m18s
